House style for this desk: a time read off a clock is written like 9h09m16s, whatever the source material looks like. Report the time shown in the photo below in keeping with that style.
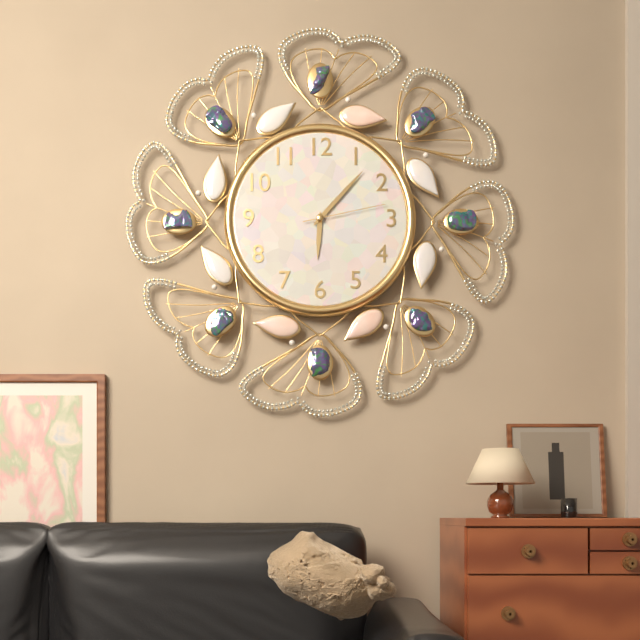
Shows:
6h07m13s
